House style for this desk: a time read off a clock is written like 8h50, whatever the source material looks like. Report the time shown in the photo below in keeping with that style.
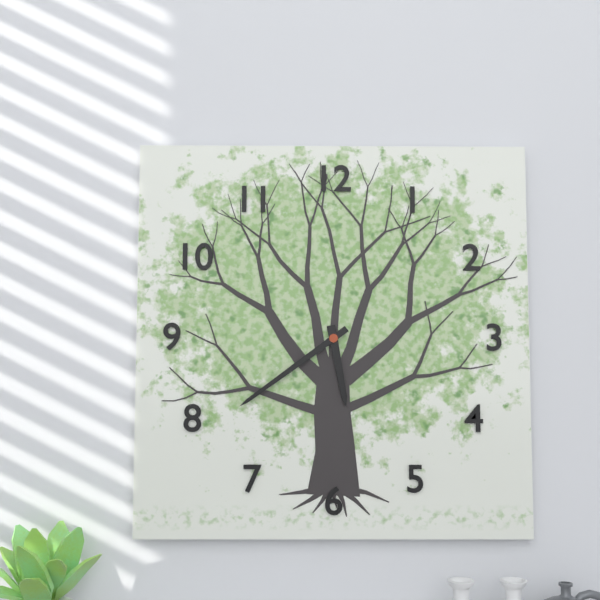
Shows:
5h39
